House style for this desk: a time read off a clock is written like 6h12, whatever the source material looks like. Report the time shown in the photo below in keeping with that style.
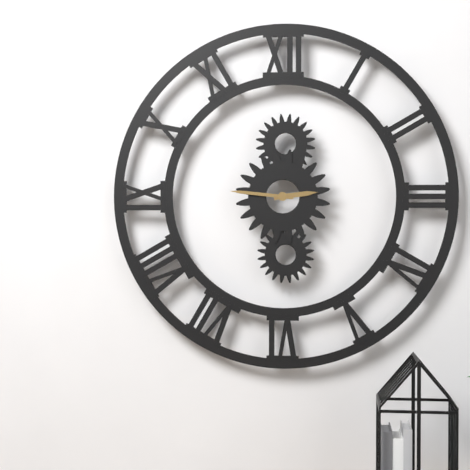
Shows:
2h46
